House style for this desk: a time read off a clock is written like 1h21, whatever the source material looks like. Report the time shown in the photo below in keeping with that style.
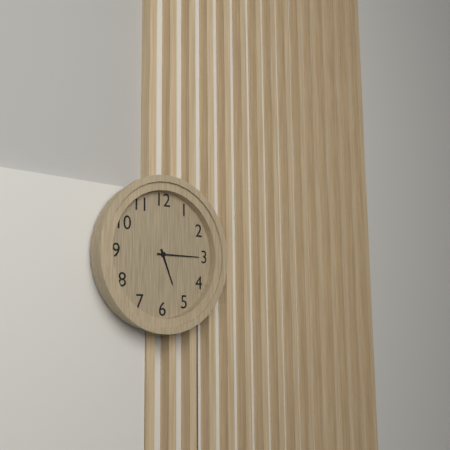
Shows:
5h15
